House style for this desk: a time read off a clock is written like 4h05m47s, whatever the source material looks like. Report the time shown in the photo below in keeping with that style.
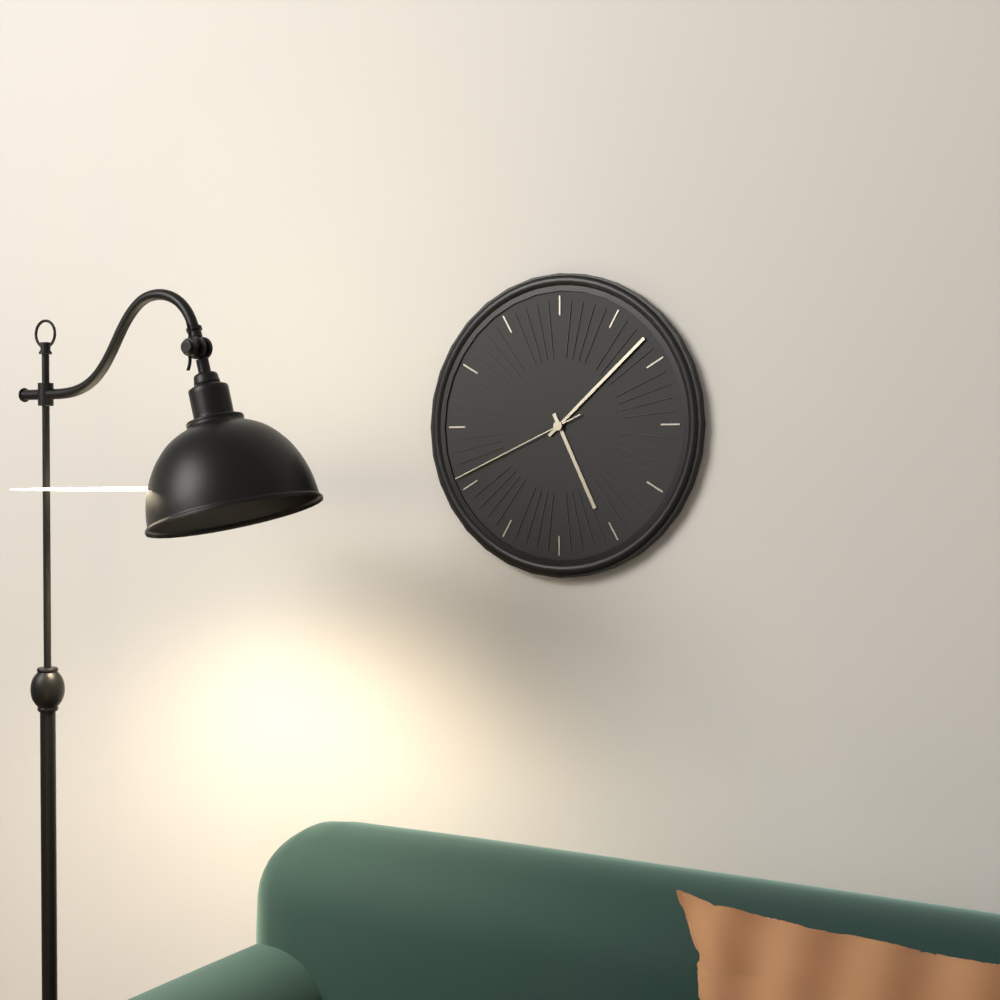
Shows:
5h08m41s
